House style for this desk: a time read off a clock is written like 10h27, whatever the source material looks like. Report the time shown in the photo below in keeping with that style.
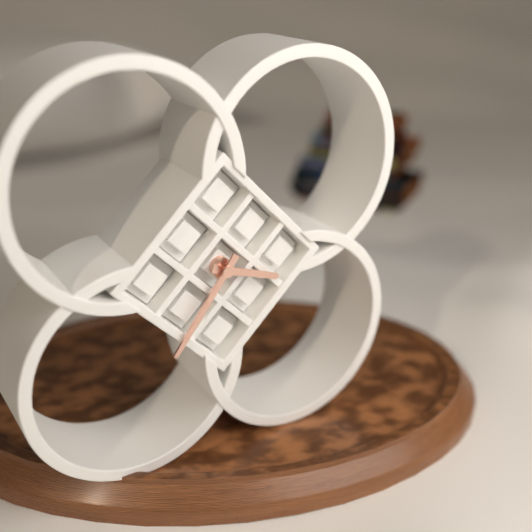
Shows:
3h36
